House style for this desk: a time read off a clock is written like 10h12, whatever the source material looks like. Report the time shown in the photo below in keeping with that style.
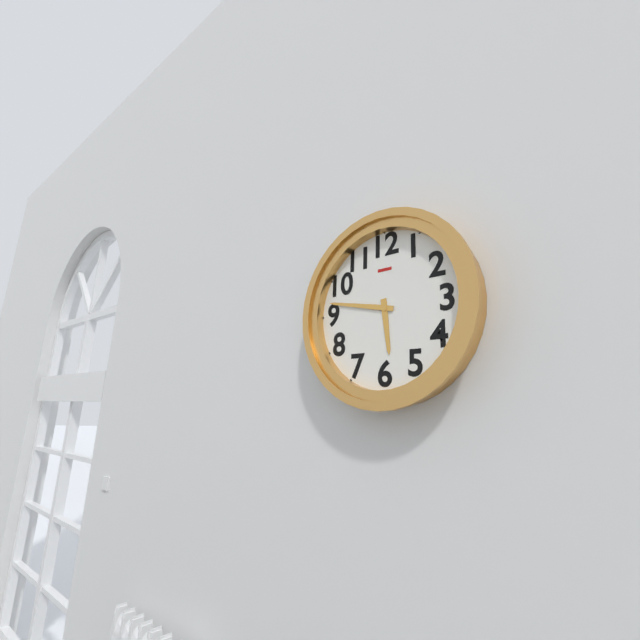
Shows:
5h47
